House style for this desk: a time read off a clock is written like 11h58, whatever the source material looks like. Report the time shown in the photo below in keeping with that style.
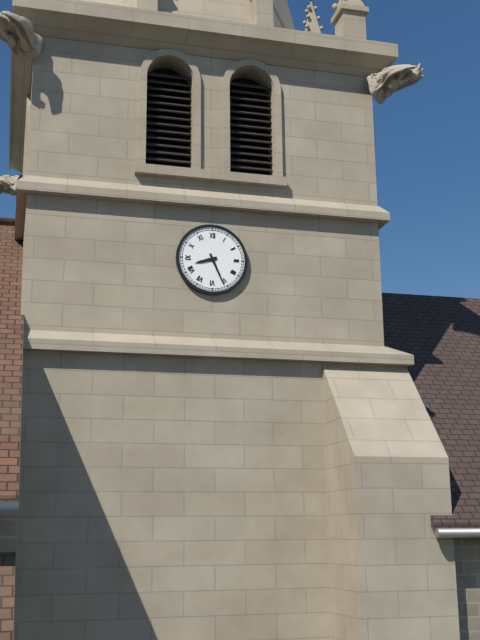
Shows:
8h26
